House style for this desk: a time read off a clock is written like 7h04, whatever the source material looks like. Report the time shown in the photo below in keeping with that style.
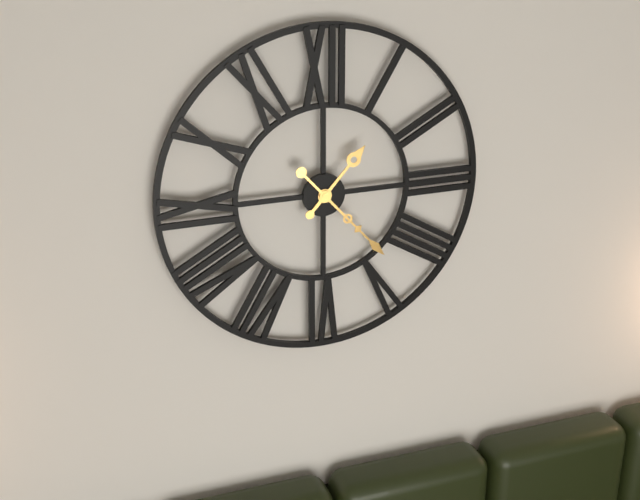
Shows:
1h23
